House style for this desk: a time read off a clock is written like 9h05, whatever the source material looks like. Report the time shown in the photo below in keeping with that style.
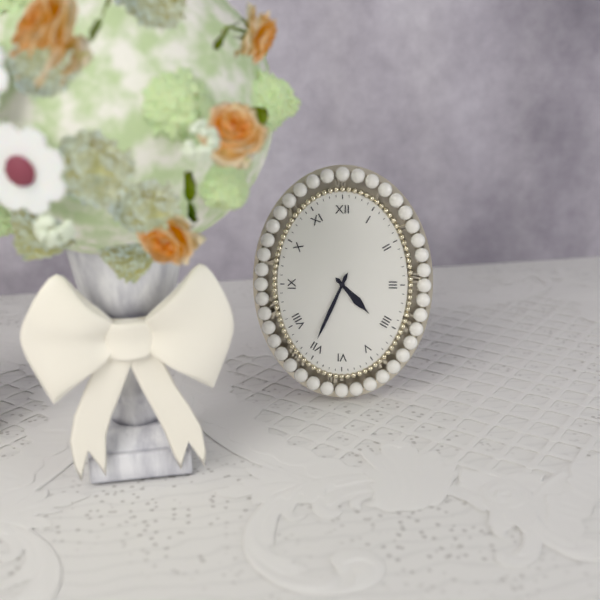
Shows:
4h34
